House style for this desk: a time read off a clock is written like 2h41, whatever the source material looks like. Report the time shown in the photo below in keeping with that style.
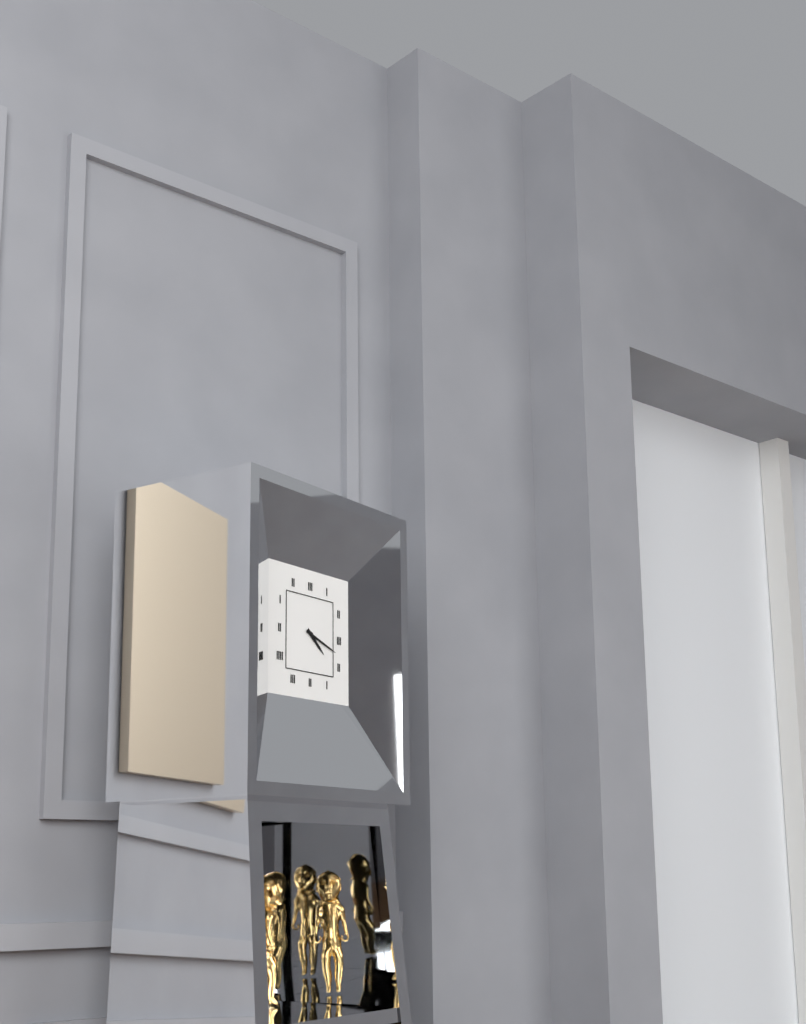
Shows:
4h18
